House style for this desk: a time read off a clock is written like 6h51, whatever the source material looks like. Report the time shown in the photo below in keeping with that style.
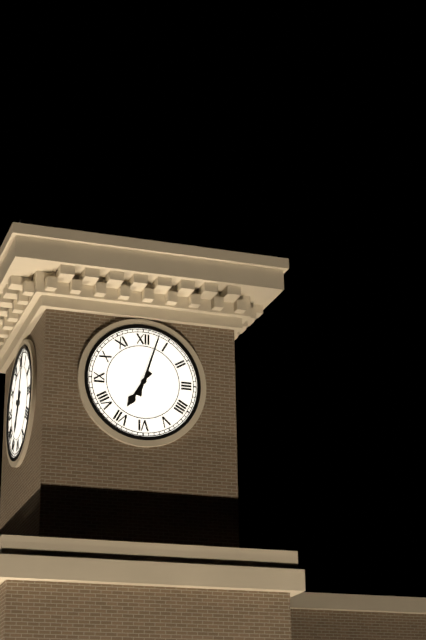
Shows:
7h03
